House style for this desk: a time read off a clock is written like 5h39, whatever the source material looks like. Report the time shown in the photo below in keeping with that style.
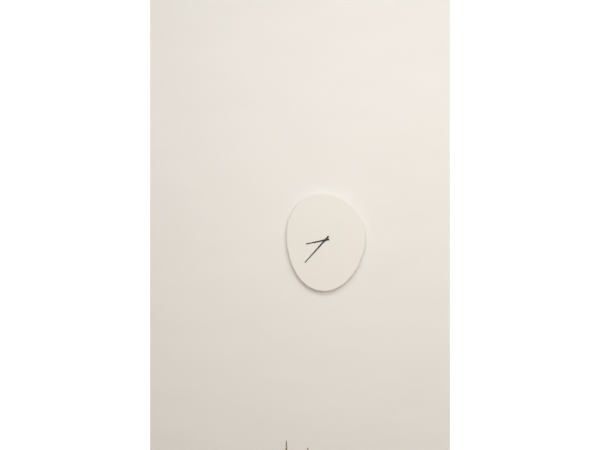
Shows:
8h37
